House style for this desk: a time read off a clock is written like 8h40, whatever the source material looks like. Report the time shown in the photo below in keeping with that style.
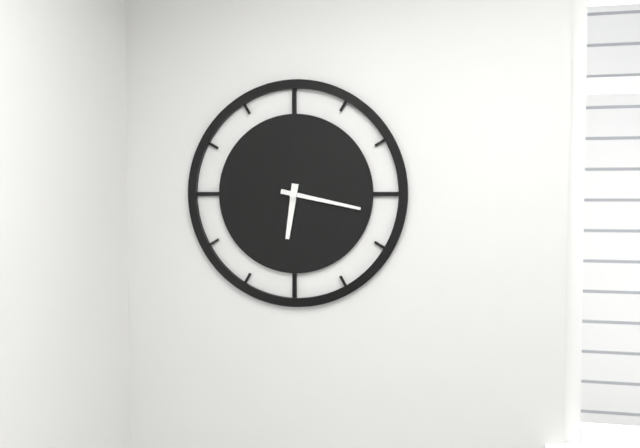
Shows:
6h17
